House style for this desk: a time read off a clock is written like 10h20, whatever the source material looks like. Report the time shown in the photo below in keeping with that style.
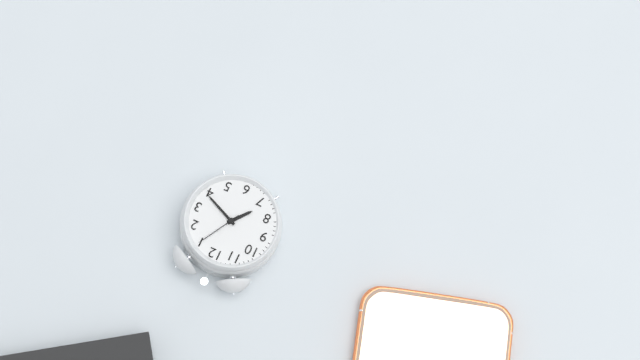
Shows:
7h19
